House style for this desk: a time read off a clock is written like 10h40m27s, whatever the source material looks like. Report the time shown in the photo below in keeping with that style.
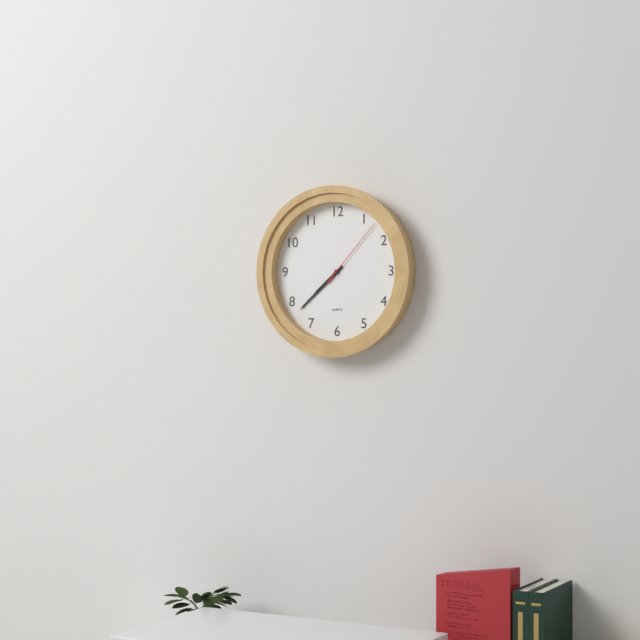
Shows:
7h38m07s
